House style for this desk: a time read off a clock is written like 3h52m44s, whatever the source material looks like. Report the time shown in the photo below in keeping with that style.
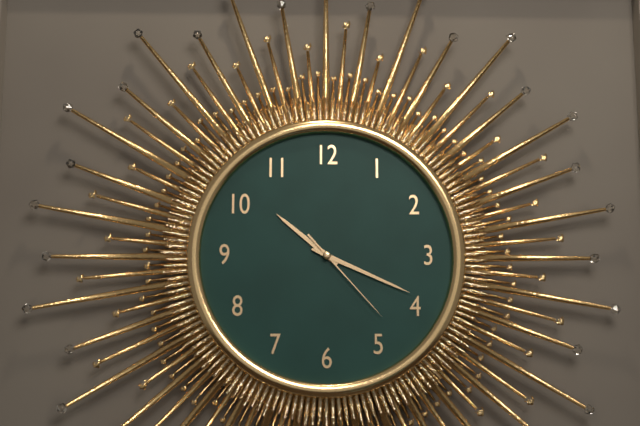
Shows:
10h19m23s
